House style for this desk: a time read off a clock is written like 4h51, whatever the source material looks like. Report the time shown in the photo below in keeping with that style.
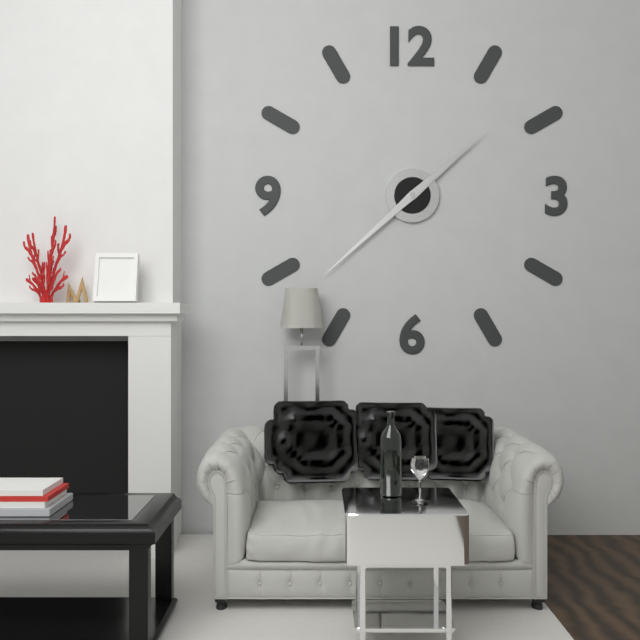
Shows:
1h38
